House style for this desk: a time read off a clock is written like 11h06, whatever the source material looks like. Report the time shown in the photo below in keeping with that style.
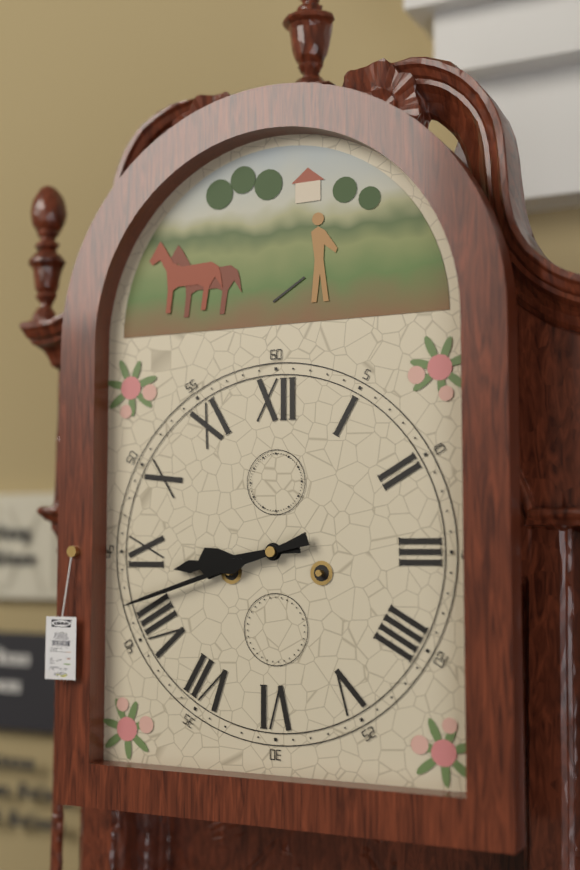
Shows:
8h42
